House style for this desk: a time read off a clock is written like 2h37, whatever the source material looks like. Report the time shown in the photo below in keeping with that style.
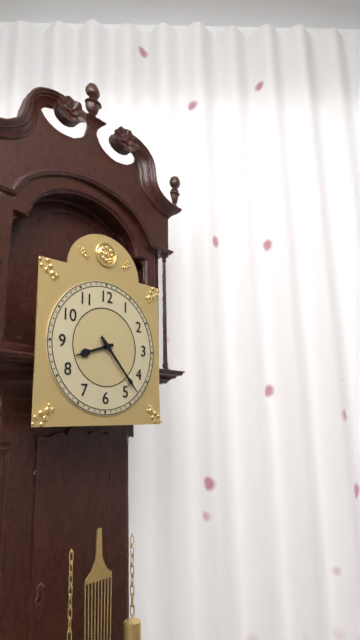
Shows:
8h23
